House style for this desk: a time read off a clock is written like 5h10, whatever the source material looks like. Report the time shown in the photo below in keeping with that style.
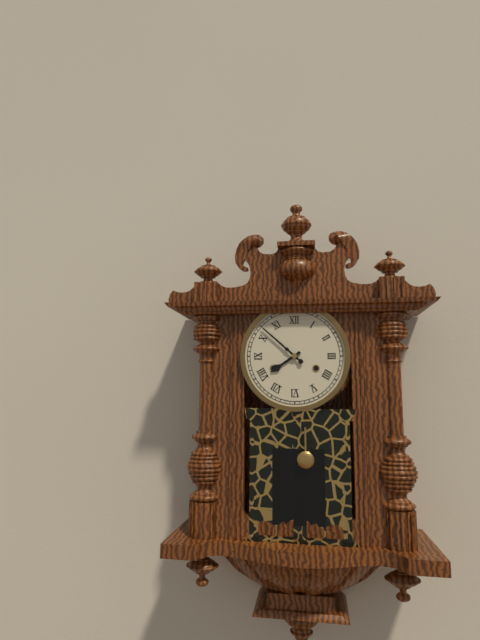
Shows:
7h52
